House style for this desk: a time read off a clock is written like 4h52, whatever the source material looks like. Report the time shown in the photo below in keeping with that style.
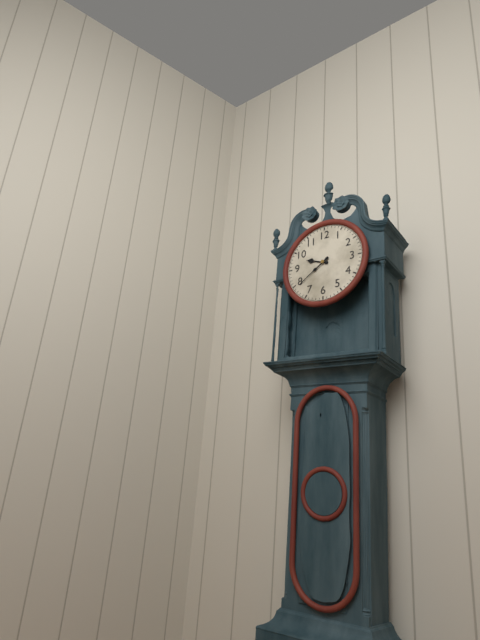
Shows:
9h39
